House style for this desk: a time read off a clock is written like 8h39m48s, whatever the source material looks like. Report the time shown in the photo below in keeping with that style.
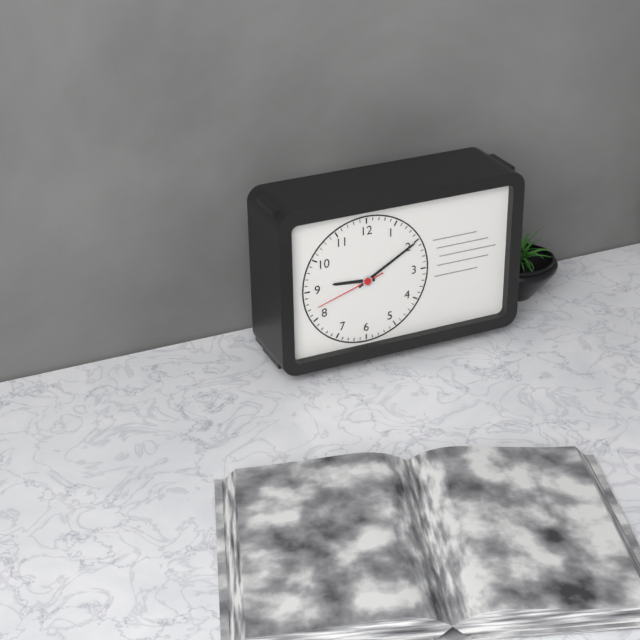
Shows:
9h10m42s
